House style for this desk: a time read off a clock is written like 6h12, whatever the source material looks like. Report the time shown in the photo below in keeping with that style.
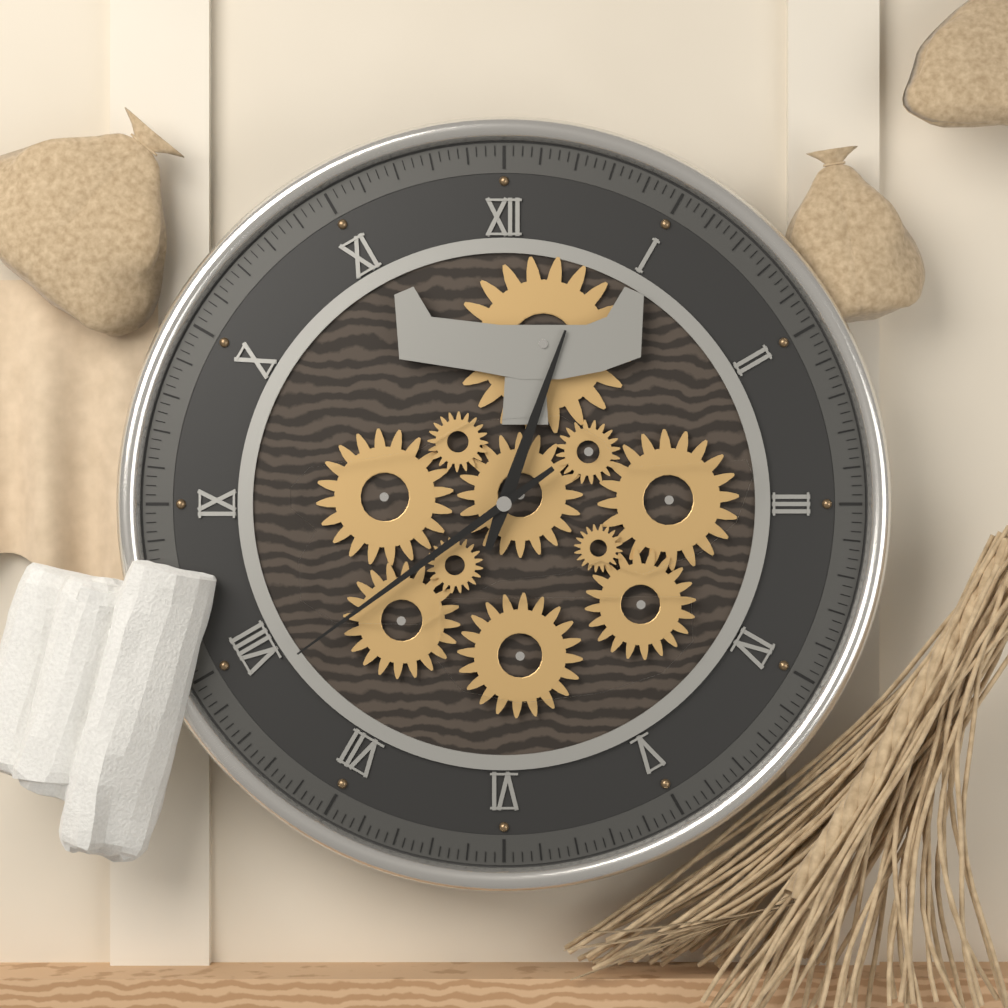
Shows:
12h39
